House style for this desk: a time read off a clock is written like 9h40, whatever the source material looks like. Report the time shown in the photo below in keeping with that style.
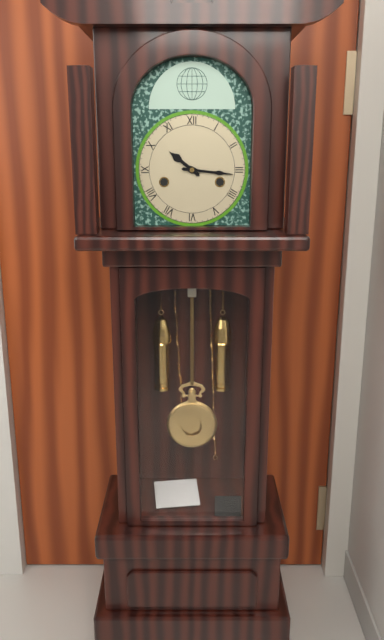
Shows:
10h16
